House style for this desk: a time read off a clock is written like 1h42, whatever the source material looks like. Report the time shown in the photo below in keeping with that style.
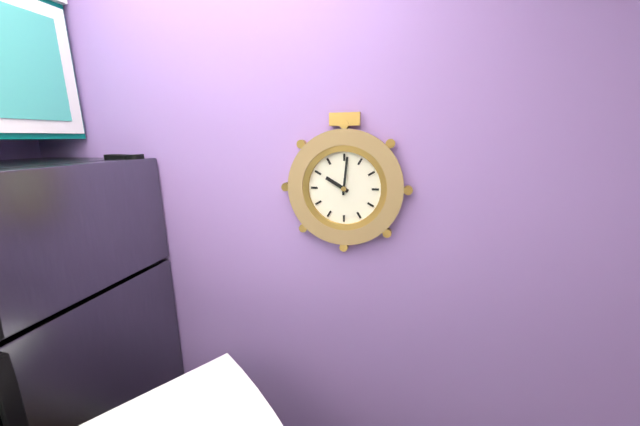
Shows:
10h01
